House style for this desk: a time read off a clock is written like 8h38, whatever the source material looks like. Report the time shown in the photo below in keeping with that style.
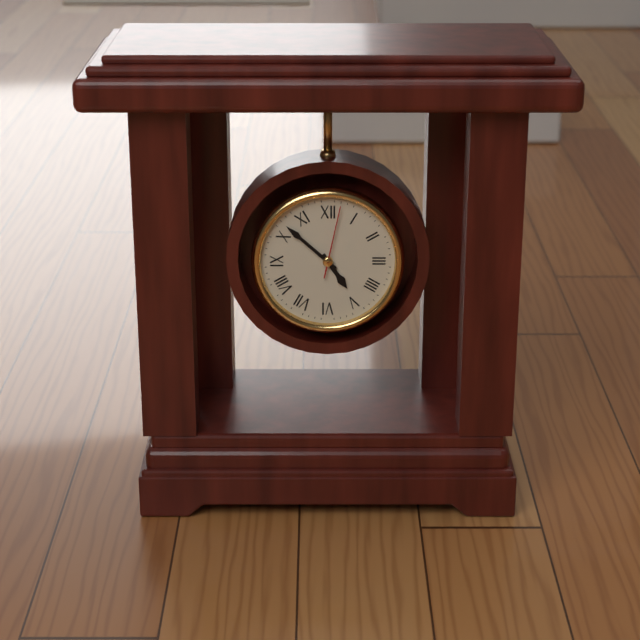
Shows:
4h52
